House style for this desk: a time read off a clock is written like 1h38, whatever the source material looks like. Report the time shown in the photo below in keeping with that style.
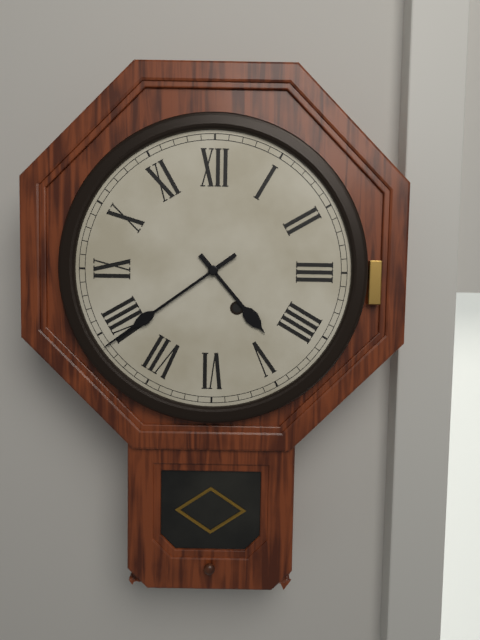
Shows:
4h39
